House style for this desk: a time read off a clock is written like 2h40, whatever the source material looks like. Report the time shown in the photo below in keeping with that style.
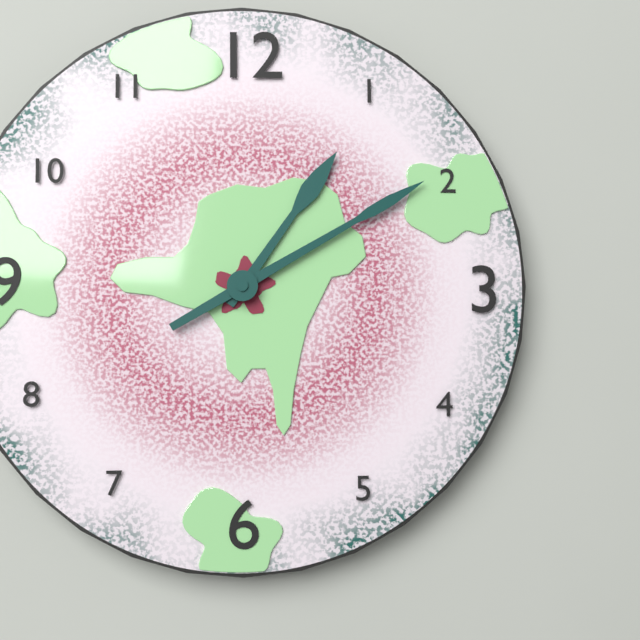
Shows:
1h10
